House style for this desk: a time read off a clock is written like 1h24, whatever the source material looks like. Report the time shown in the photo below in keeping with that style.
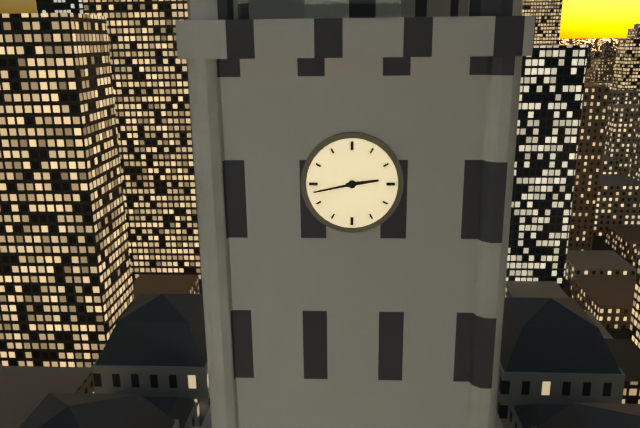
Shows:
2h43
